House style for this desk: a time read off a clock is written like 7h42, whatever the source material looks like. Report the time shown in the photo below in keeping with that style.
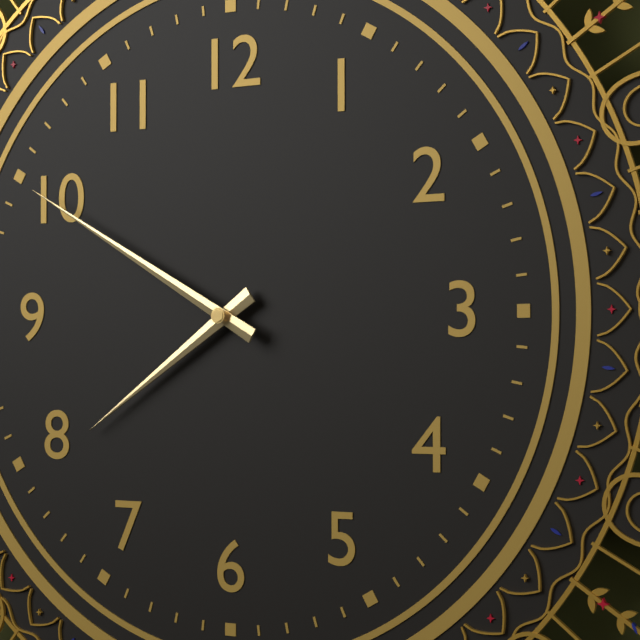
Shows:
7h50
